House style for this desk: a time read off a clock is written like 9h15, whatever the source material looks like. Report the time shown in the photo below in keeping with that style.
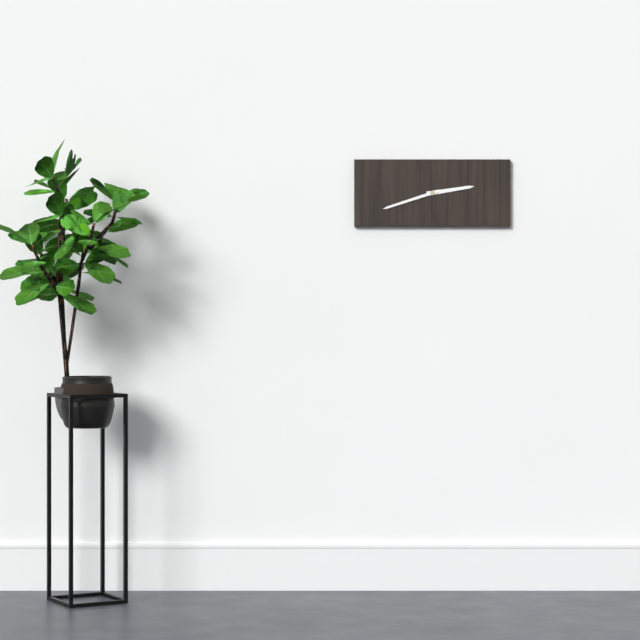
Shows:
2h42
